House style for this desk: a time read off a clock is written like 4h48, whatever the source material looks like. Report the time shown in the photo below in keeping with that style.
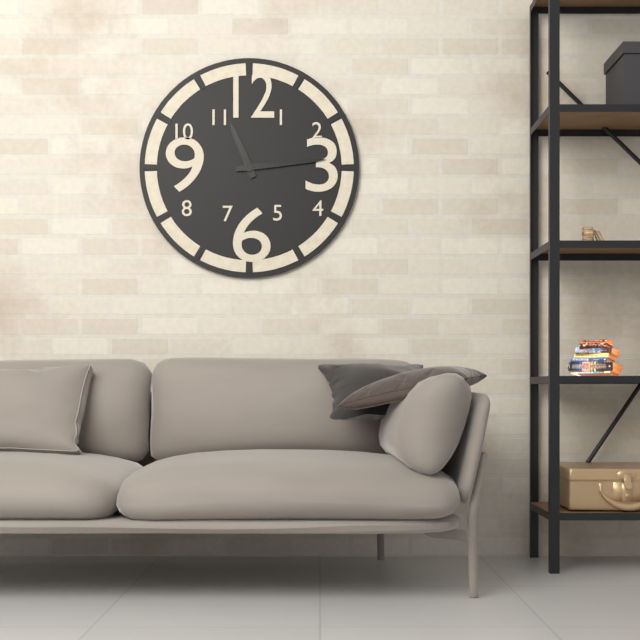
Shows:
11h14
